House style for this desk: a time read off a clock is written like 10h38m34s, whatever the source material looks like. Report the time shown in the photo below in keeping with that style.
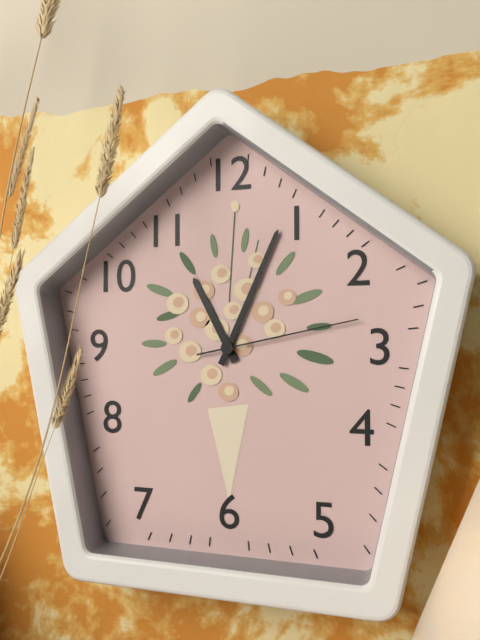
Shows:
11h04m13s
